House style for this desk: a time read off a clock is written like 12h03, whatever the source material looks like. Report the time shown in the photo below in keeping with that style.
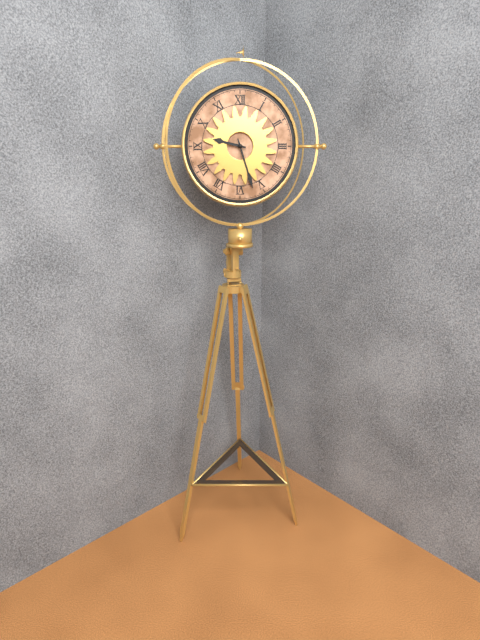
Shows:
9h27
